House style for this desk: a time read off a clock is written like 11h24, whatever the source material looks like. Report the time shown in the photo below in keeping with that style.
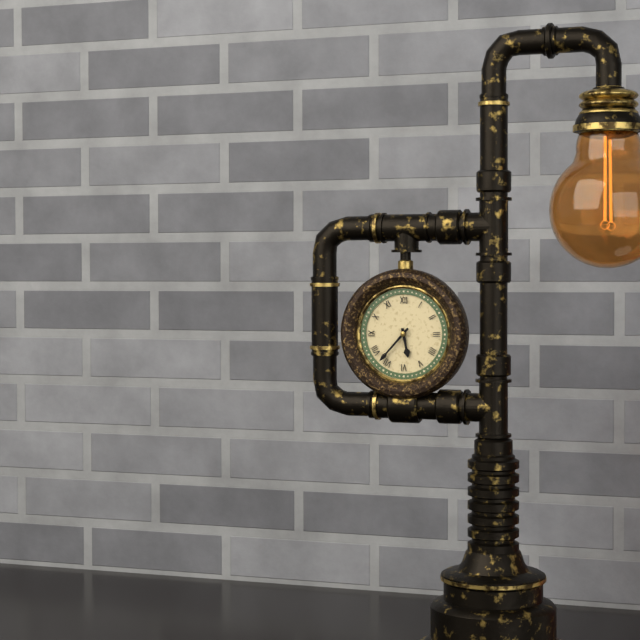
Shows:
5h37
